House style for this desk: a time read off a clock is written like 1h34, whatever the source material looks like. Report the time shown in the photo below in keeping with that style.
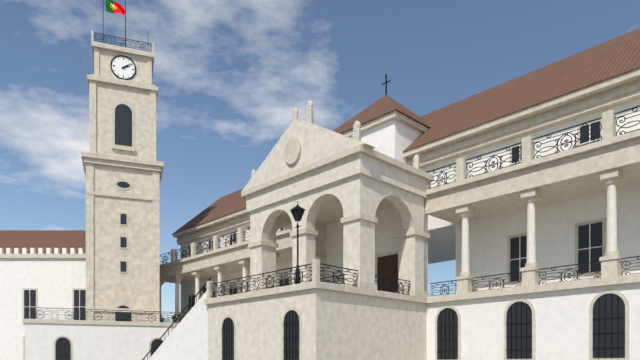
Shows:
2h09
